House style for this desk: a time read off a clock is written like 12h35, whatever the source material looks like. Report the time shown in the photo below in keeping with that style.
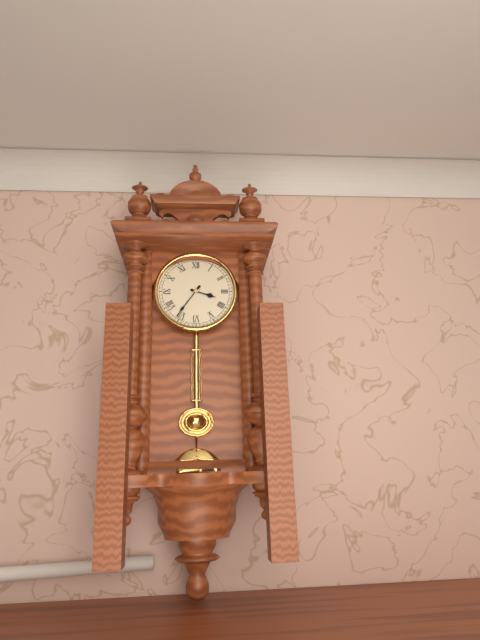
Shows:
3h36
